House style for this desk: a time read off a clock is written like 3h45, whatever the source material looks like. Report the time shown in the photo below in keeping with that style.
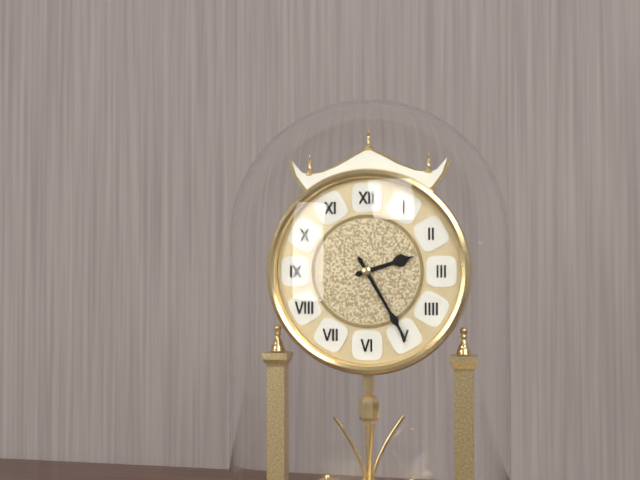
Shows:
2h25
